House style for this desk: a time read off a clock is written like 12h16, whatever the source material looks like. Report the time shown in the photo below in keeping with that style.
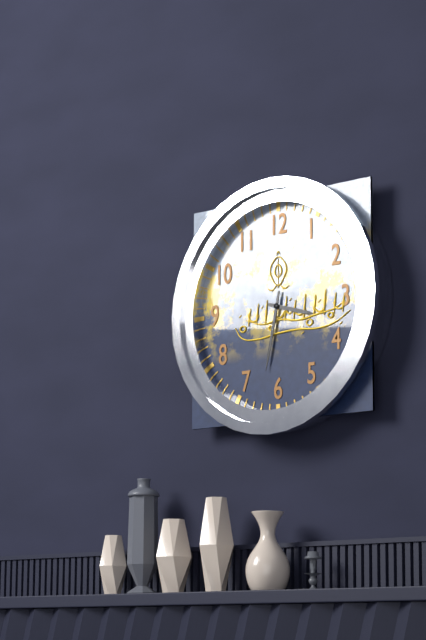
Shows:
3h32
